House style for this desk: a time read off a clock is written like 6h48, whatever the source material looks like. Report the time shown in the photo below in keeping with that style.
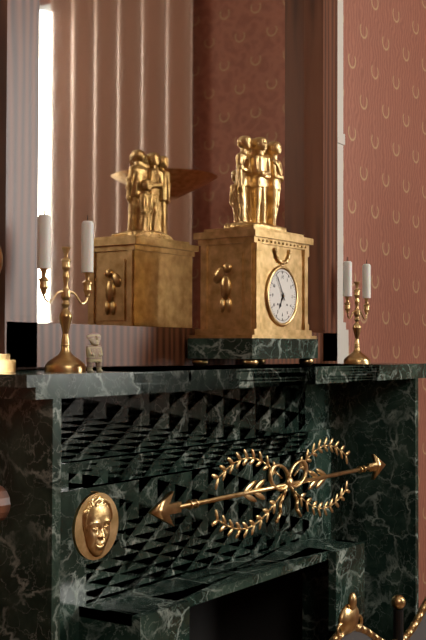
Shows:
6h55
